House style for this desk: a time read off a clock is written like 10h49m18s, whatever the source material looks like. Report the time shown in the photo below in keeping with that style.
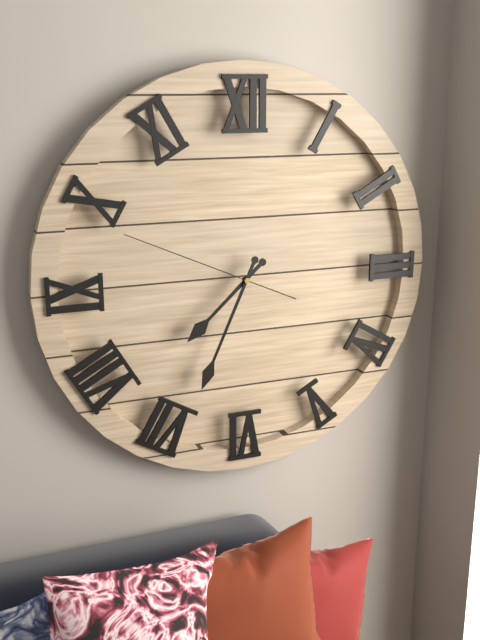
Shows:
7h34m49s
